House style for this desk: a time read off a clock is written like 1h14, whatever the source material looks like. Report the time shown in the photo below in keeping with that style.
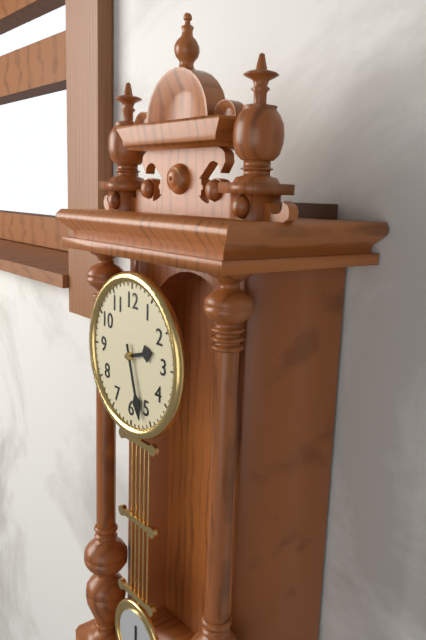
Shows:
2h27
